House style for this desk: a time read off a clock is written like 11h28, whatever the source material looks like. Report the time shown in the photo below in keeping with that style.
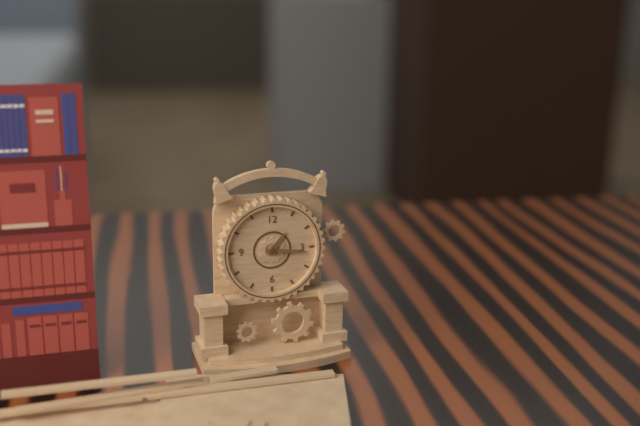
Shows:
1h16
